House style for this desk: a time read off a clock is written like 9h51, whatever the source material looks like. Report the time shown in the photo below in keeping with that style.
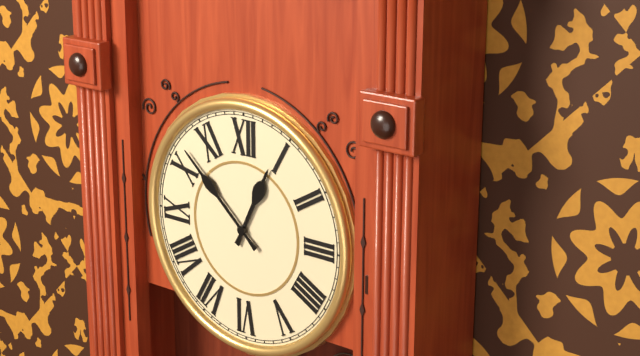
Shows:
12h52
